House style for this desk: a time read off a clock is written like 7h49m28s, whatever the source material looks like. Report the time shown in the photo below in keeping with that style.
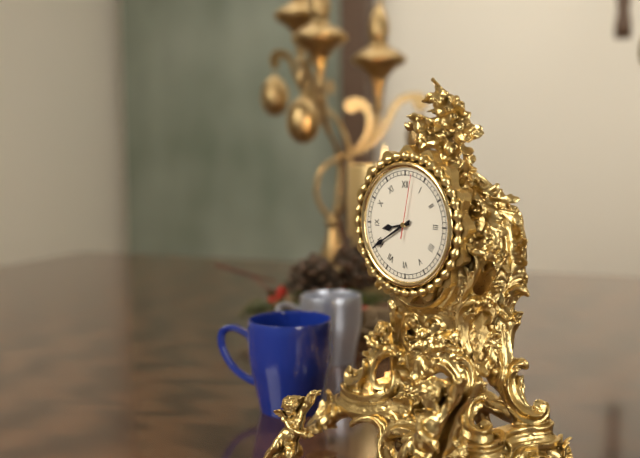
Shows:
8h40m02s
